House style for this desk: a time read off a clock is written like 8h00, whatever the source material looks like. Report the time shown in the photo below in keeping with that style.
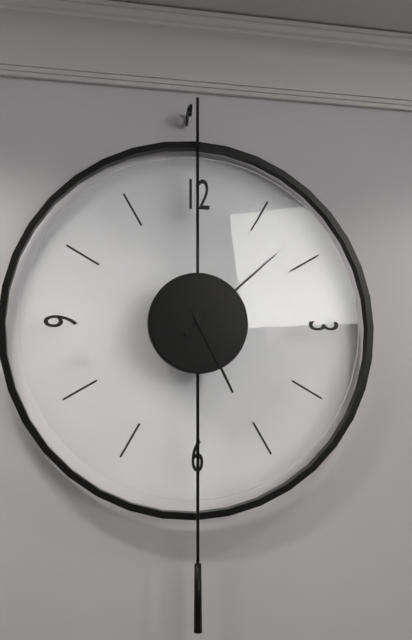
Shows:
5h08
